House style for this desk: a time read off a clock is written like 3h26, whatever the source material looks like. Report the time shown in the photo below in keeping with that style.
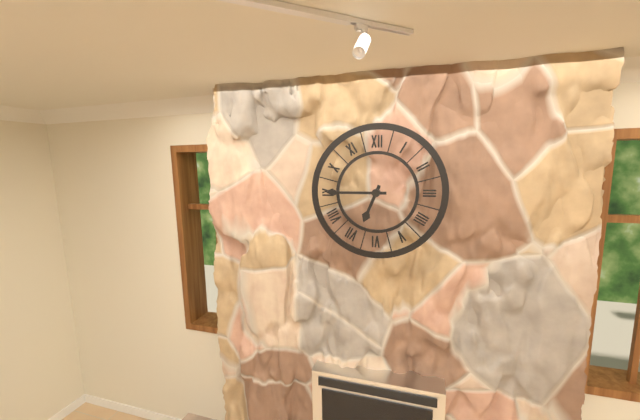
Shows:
6h45
